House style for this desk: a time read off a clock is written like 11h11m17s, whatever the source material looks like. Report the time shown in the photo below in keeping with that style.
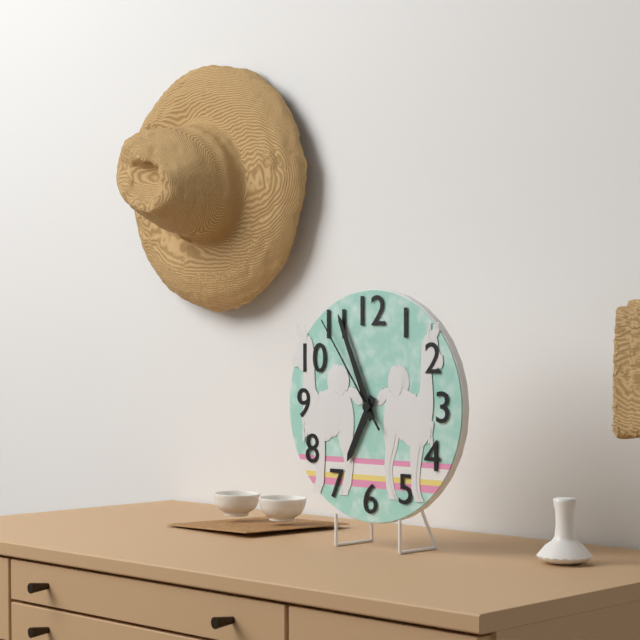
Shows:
6h56m54s
